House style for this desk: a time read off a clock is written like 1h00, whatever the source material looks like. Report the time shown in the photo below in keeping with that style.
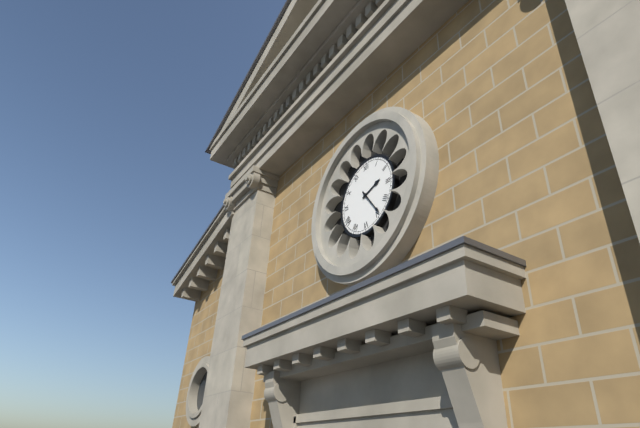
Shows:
2h24
